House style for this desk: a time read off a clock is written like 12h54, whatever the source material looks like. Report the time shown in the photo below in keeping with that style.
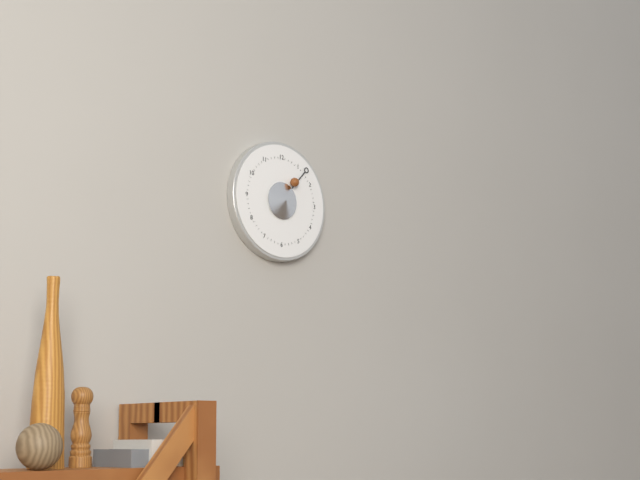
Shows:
1h07
